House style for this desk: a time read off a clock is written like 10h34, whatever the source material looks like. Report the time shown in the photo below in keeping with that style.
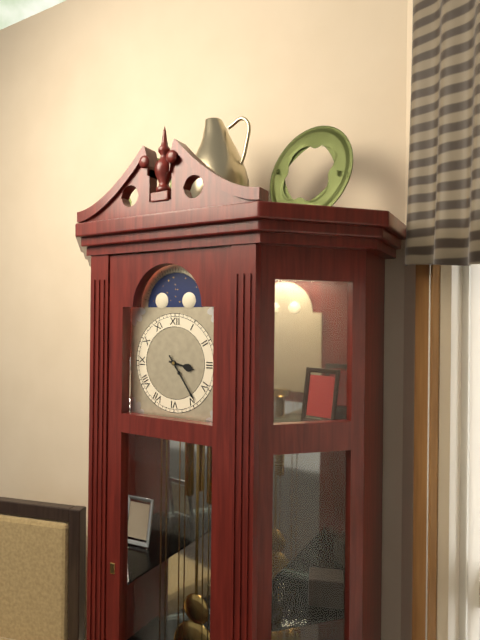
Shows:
3h24
